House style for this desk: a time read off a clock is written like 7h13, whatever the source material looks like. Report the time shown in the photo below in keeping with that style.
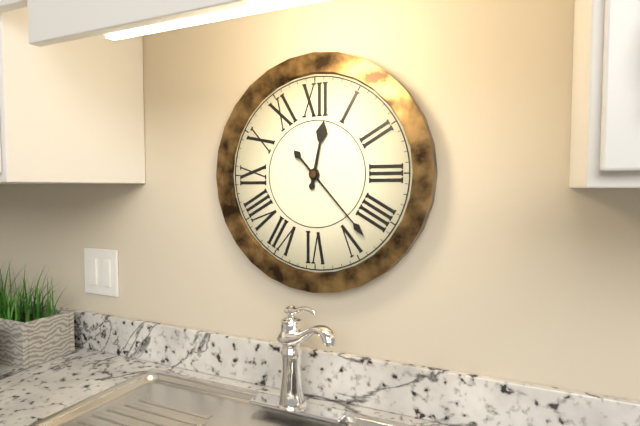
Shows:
12h23
